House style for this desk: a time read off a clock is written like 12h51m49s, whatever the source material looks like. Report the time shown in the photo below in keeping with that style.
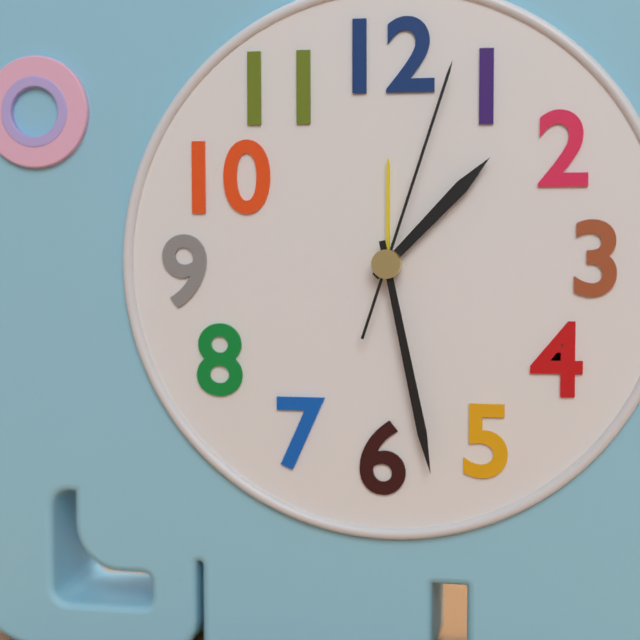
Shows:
1h28m03s
